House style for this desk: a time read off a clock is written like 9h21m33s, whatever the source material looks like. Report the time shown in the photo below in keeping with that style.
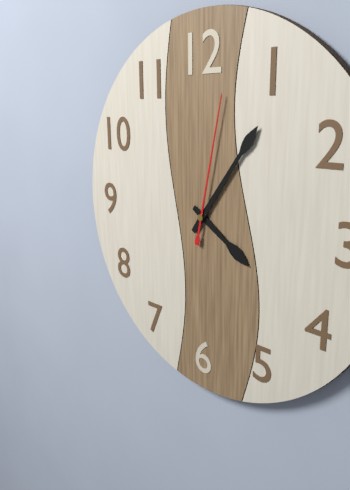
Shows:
4h06m02s
